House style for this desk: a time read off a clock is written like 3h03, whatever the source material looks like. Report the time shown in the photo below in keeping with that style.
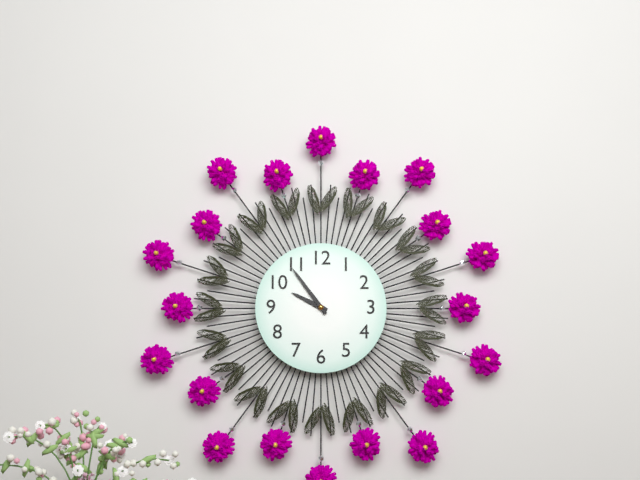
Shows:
9h54
